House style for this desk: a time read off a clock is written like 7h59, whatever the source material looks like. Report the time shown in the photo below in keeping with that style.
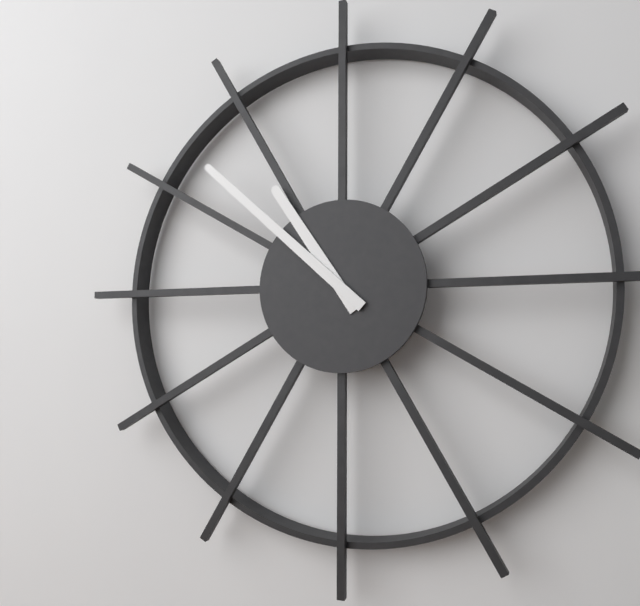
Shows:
10h52
